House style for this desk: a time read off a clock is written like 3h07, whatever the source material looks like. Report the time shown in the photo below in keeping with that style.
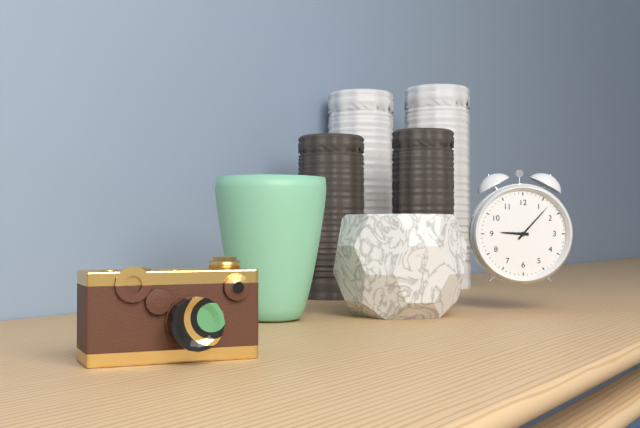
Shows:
9h07
